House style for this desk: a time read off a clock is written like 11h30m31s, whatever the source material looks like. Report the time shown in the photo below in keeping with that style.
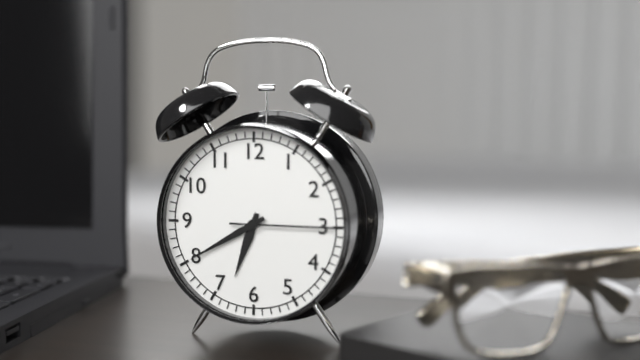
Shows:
6h40m15s
